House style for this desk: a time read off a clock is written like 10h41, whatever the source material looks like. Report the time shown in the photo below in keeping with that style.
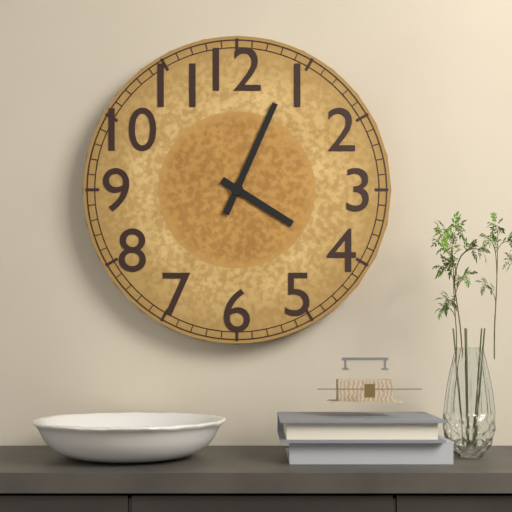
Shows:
4h04
